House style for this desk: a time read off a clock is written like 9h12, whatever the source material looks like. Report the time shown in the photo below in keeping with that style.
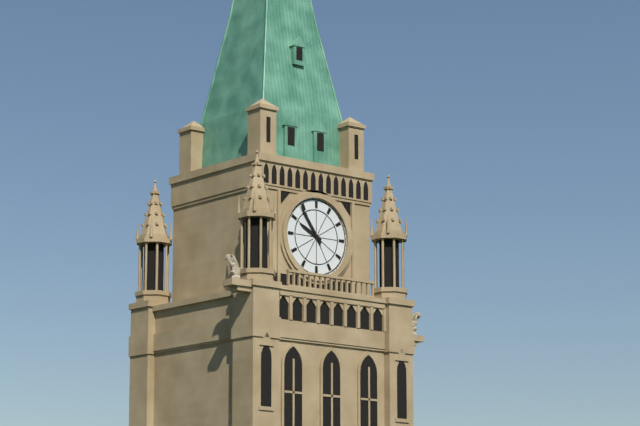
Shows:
9h54
